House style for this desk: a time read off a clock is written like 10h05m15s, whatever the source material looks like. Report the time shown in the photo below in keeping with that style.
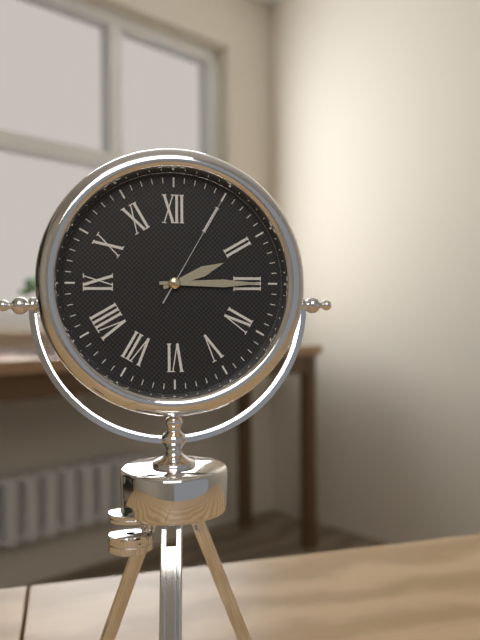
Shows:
2h15m05s
